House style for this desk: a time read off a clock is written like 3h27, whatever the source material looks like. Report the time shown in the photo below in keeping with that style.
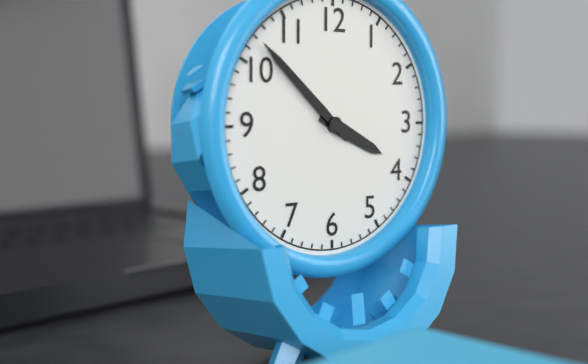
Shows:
3h52
